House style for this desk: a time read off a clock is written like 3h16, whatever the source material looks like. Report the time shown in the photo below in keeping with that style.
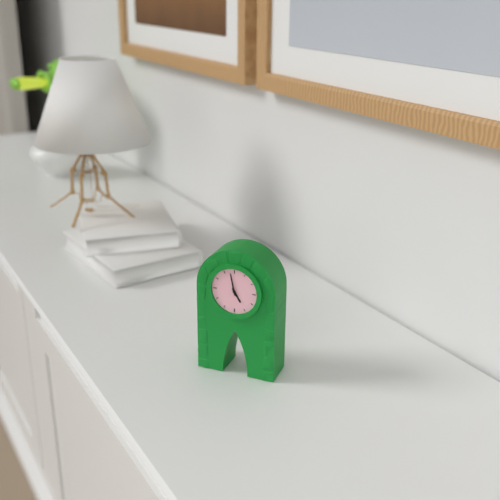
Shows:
4h58
